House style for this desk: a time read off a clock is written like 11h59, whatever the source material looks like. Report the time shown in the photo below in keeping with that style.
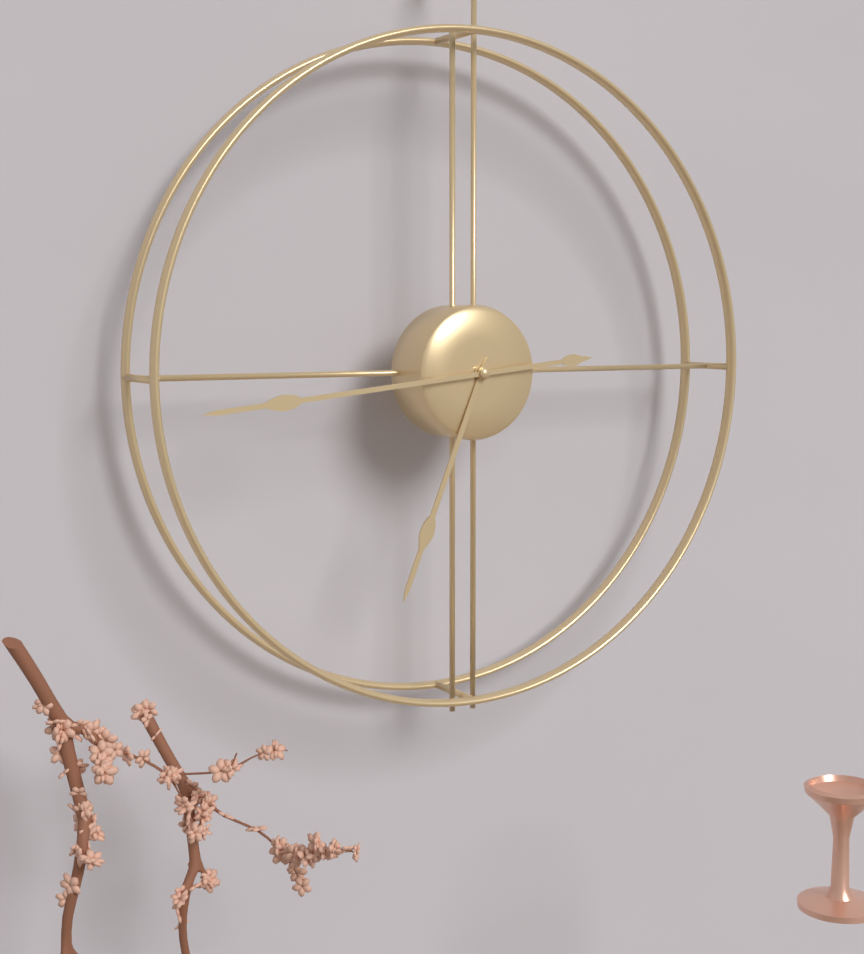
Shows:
6h44
